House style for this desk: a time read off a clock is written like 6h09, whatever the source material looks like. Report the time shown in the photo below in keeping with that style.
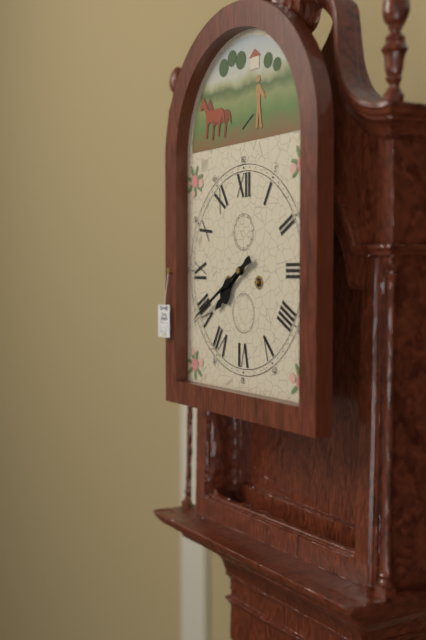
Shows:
7h40
